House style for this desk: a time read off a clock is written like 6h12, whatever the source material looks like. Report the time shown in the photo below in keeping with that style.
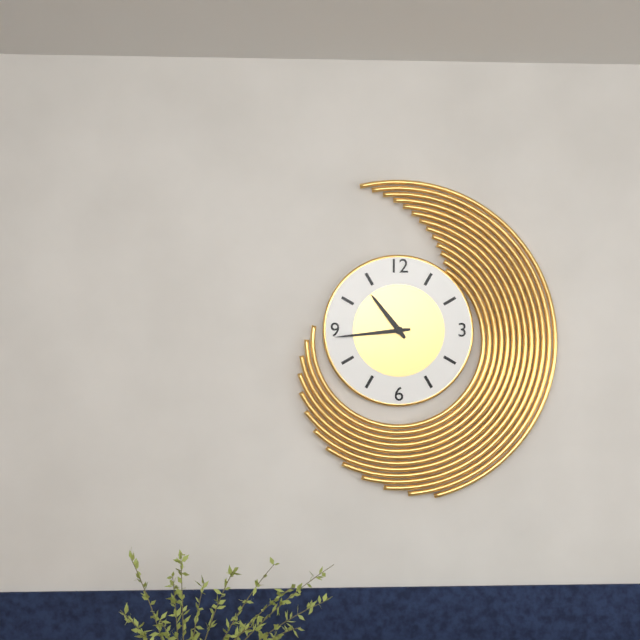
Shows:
10h44
